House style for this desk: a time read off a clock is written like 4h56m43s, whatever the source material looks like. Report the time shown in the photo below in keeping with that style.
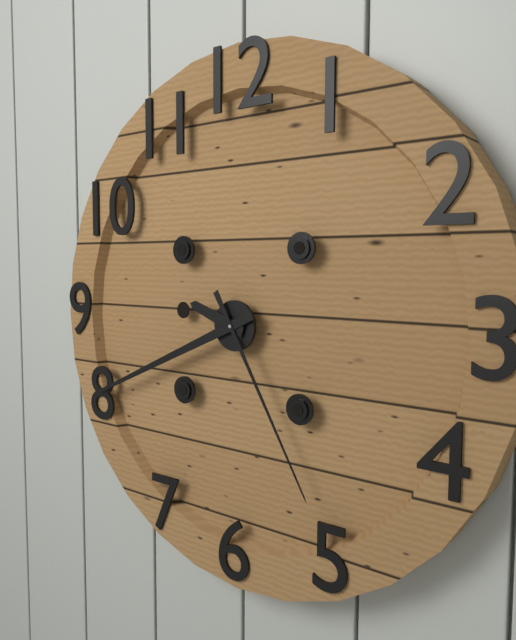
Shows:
9h41m25s
